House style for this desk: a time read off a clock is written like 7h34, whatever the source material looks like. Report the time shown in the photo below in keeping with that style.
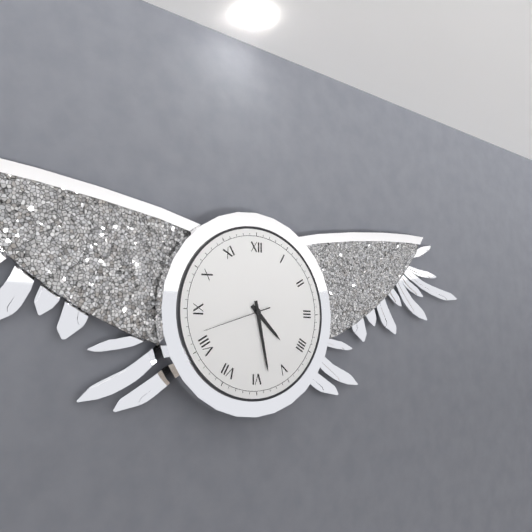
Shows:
4h28
